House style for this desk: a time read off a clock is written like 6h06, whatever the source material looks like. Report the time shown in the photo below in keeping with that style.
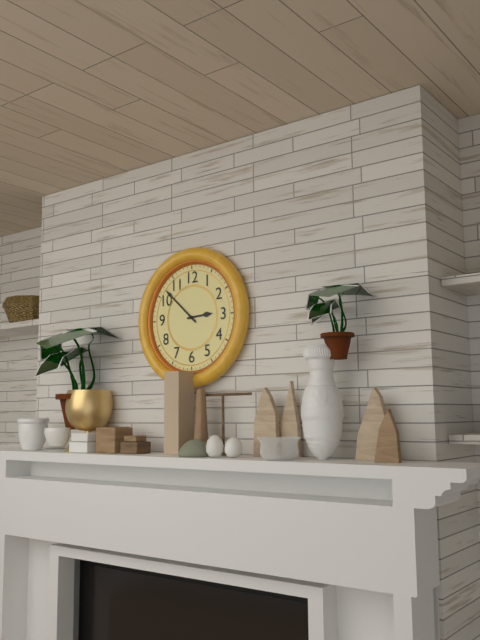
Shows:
2h52
